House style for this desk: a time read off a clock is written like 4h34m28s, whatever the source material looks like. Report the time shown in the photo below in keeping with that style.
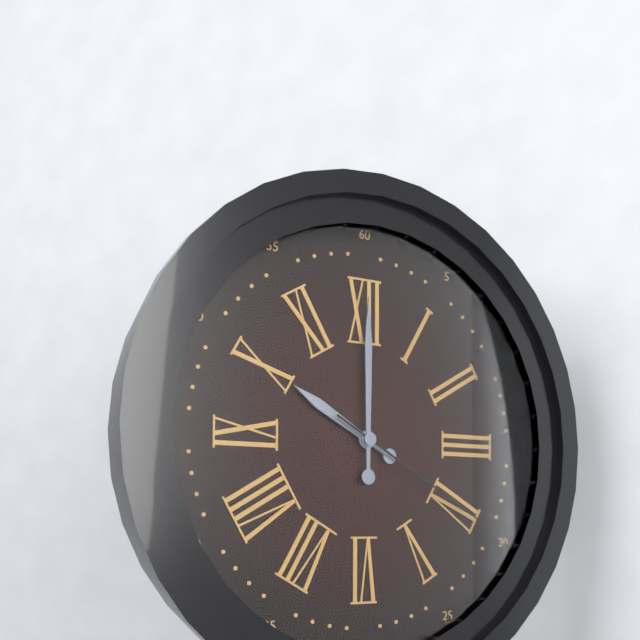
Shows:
10h00m20s
